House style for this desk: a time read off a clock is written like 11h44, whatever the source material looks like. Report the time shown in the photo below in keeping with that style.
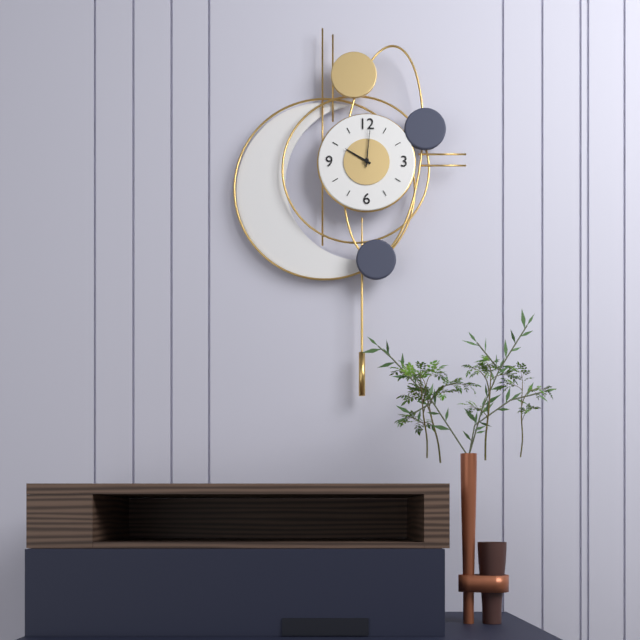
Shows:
10h01
